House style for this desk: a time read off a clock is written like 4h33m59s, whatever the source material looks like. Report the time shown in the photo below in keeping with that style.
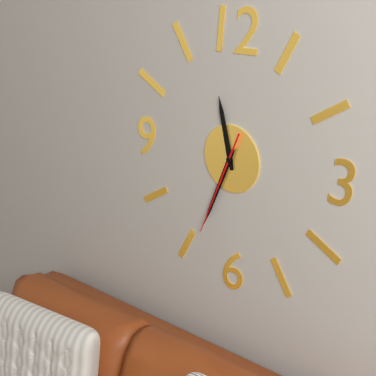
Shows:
11h34m34s
